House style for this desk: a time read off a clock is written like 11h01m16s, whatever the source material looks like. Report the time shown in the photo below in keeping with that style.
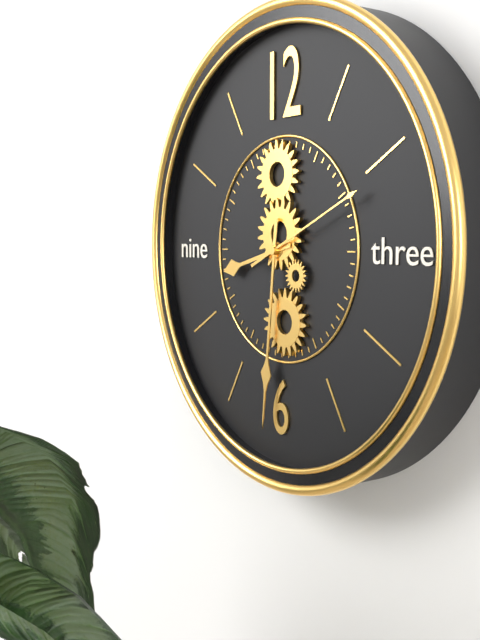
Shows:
8h31m11s
